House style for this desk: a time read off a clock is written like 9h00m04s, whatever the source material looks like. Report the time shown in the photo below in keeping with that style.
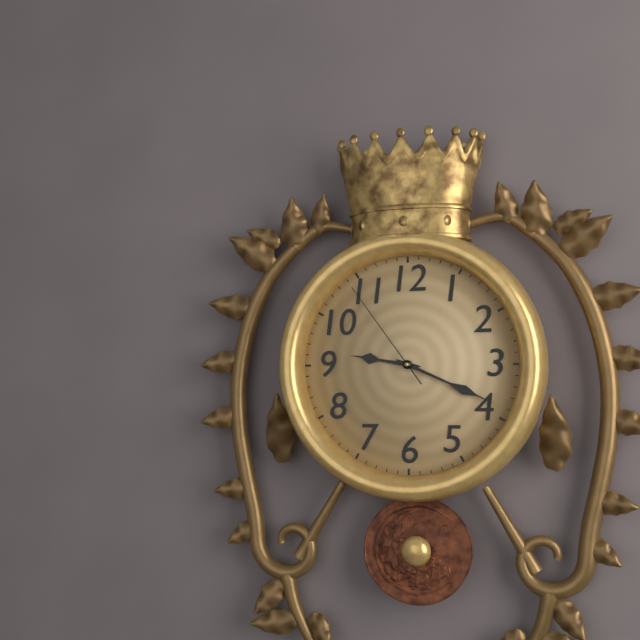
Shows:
9h19m54s
